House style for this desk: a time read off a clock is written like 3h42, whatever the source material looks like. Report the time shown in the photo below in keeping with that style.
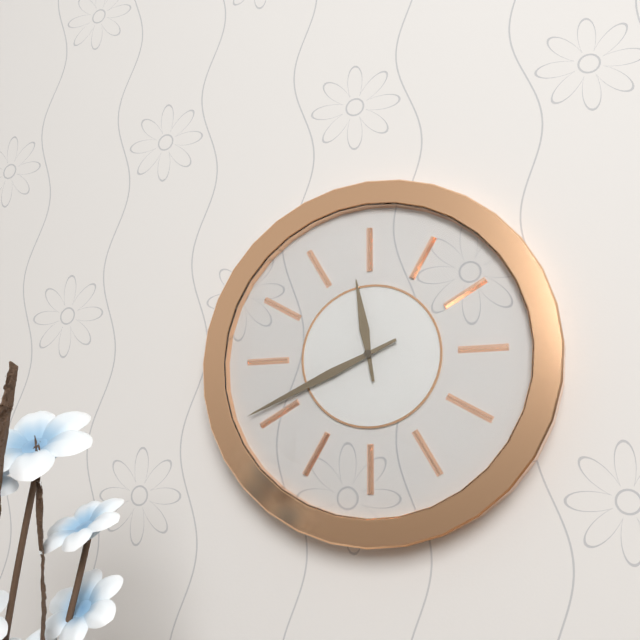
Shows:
11h41
